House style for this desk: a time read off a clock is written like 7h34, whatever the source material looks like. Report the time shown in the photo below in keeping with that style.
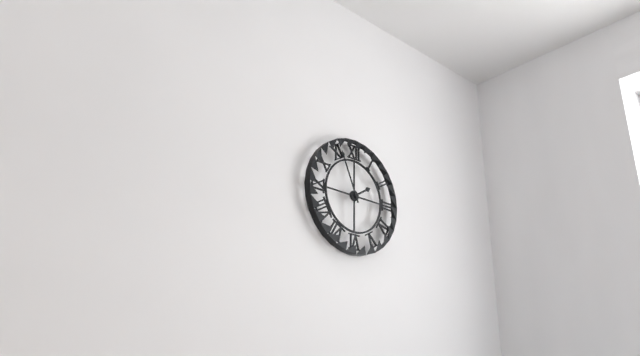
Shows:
1h56
